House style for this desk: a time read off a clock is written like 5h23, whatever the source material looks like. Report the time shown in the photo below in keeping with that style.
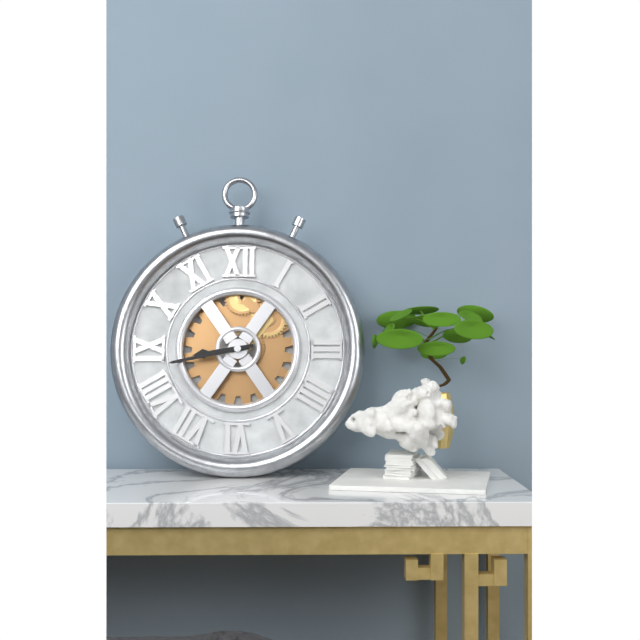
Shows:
8h43
